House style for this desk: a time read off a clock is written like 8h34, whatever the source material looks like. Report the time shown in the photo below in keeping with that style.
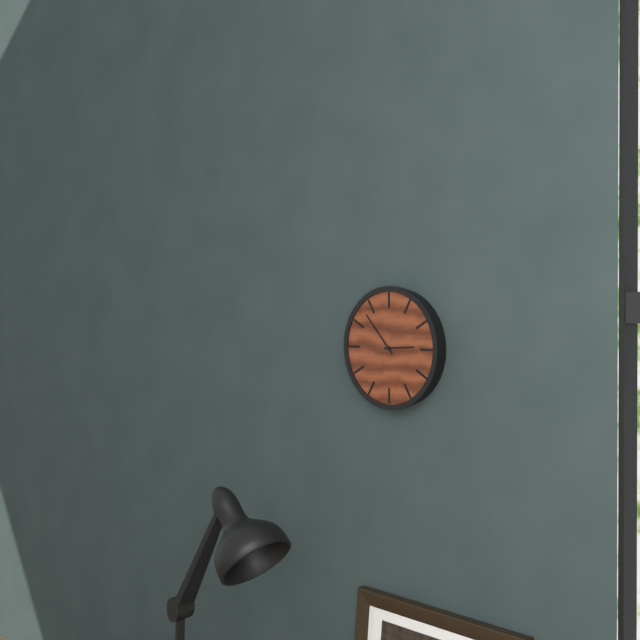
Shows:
2h53
